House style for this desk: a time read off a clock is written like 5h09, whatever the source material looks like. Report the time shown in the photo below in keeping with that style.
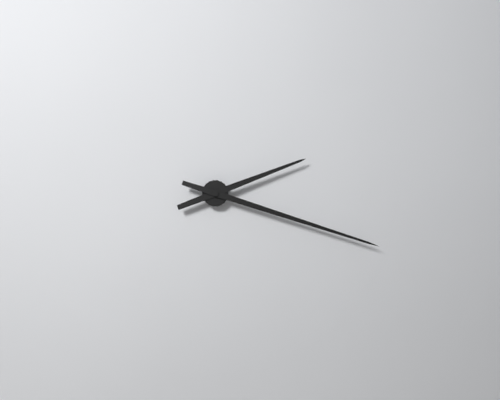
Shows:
2h18
